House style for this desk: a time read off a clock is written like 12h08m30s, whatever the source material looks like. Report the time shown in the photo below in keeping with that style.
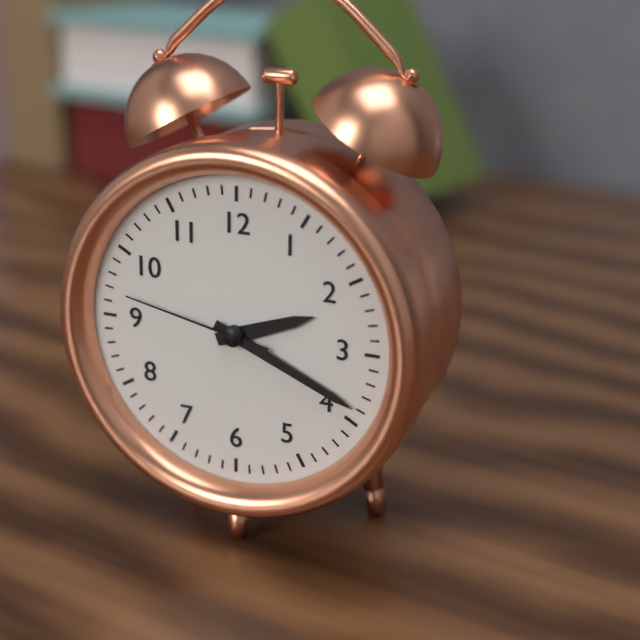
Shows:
2h19m47s
